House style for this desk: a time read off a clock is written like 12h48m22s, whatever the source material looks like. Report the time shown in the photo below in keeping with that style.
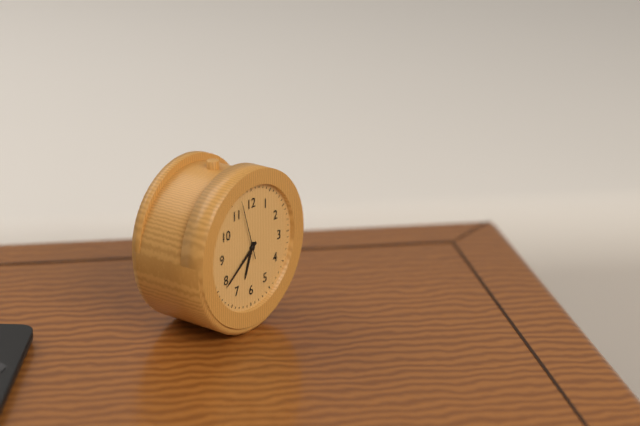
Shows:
6h39m57s
